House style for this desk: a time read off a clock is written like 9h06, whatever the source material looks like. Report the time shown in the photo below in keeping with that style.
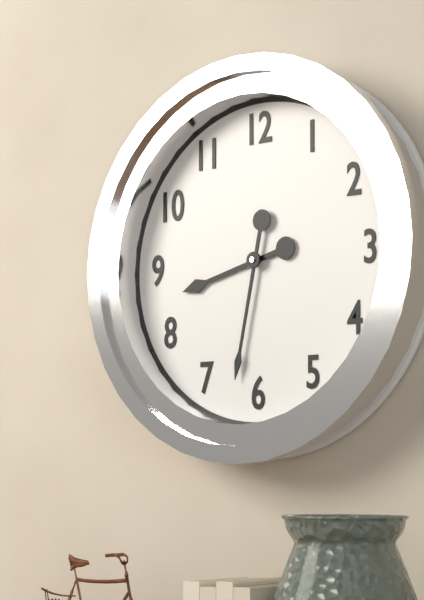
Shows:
8h32
